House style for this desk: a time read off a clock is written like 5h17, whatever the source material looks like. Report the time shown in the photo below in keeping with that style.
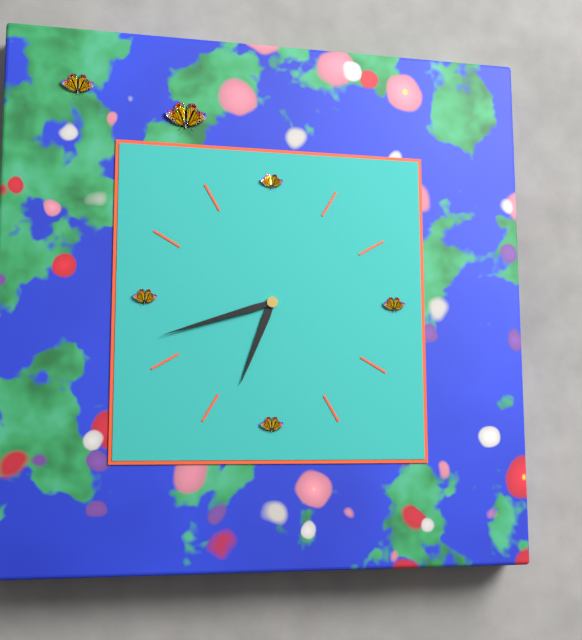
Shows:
6h42
